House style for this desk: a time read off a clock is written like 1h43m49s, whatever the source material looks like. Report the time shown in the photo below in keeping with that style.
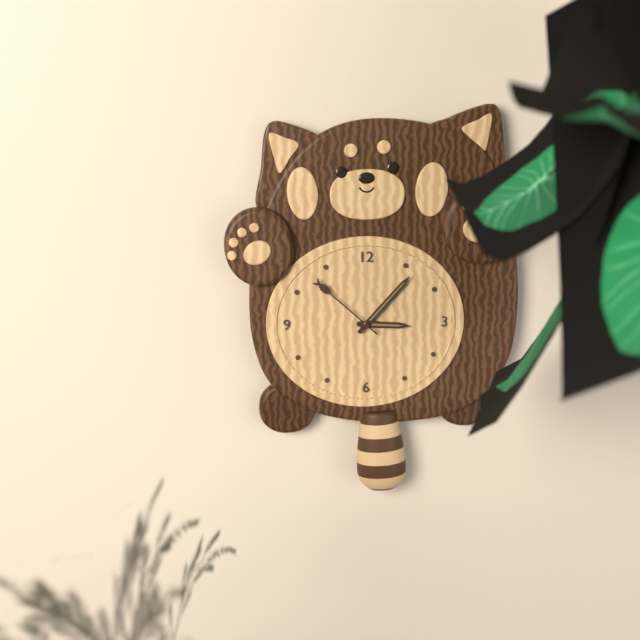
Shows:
3h07m52s
